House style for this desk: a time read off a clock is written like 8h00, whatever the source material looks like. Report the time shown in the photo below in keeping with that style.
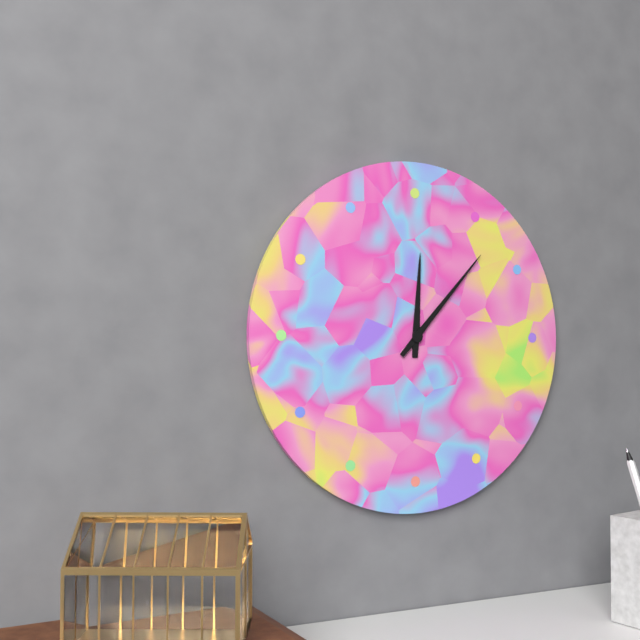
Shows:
12h07
